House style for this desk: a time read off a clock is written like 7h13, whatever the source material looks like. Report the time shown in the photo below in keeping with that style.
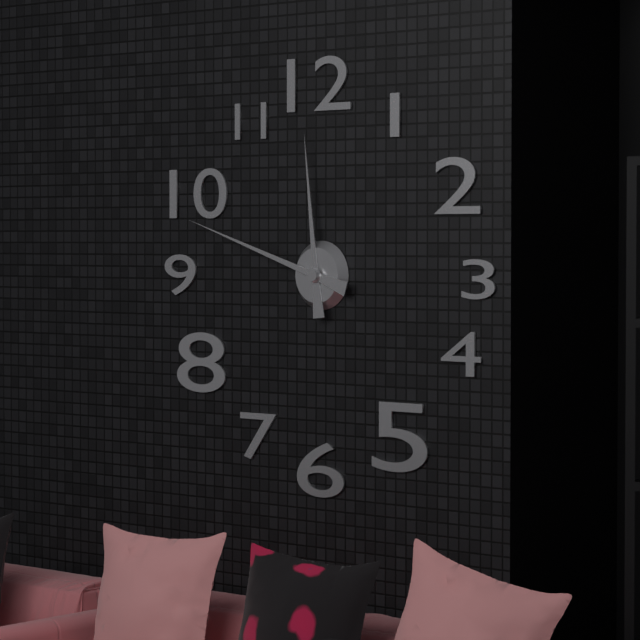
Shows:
11h48
